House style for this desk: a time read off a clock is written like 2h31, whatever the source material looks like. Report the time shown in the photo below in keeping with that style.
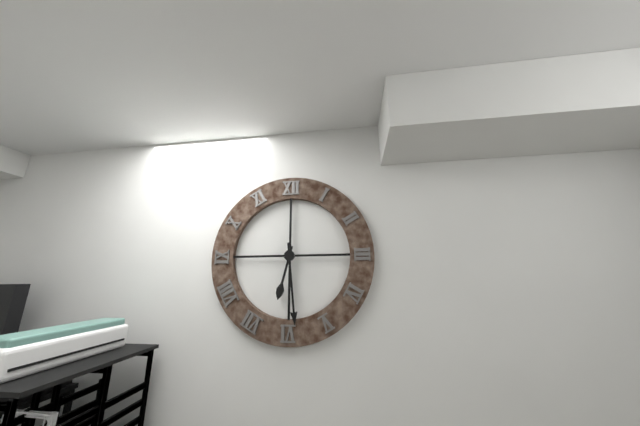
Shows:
6h29
